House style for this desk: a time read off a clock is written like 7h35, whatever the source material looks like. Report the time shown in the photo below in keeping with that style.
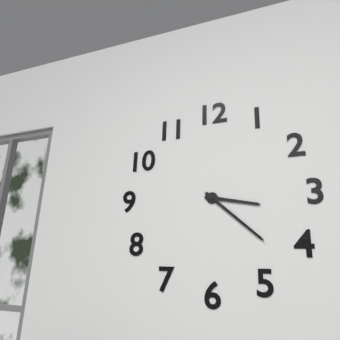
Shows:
3h22
